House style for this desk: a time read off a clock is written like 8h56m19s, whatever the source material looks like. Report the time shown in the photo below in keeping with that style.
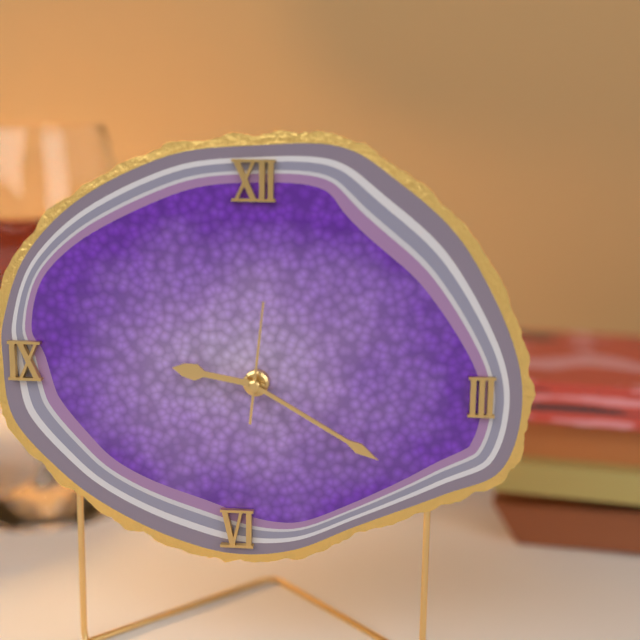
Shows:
9h20m01s
